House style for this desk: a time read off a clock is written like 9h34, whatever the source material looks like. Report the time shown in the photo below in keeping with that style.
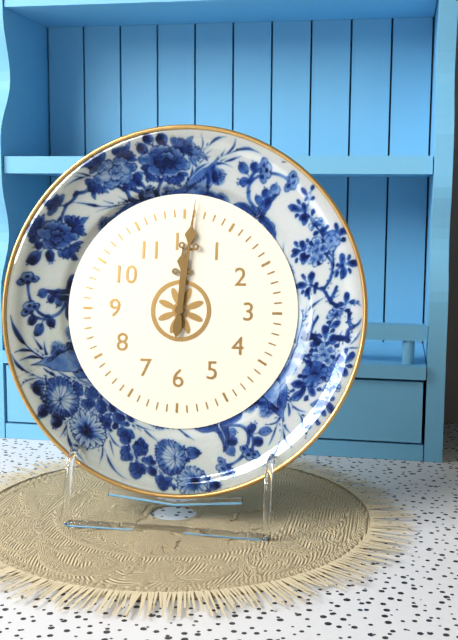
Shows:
12h01
